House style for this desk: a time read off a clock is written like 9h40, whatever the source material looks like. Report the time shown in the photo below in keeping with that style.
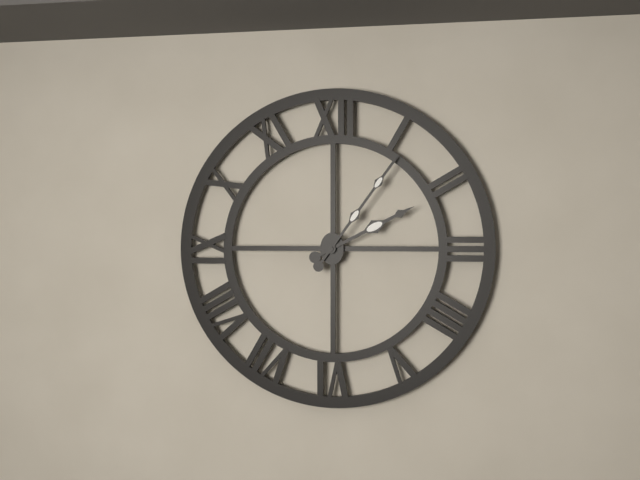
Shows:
2h06
